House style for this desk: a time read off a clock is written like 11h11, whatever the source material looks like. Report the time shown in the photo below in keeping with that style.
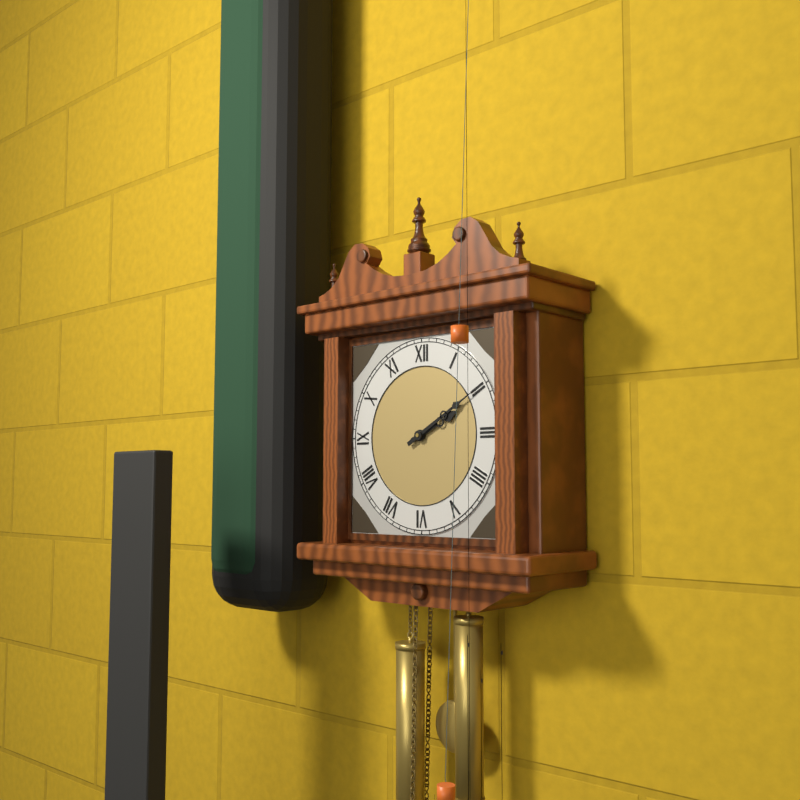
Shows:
2h10
